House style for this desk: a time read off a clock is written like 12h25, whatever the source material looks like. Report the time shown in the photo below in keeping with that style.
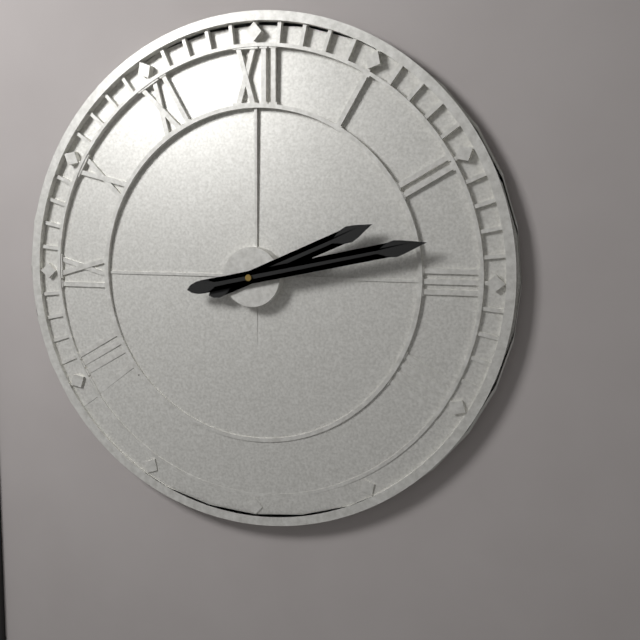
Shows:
2h13
